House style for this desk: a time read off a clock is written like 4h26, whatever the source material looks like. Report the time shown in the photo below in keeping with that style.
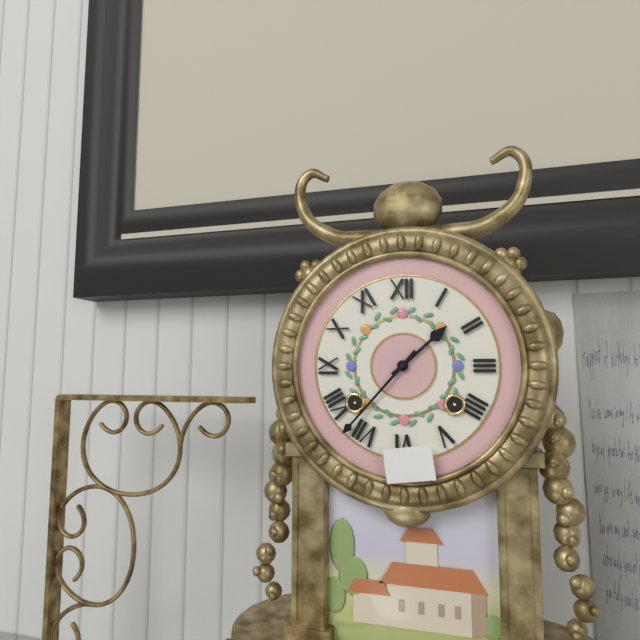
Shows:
1h37
